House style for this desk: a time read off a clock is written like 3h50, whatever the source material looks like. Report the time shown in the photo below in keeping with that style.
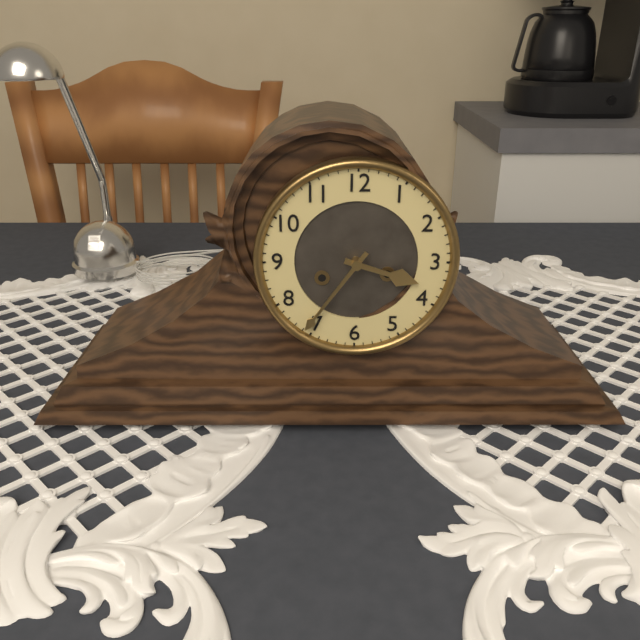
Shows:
3h36
